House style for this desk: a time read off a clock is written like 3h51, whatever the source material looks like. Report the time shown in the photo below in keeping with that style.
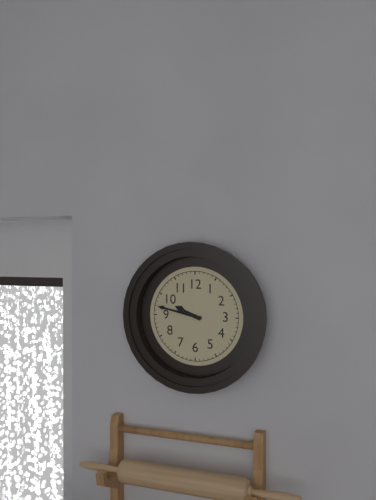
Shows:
9h47
